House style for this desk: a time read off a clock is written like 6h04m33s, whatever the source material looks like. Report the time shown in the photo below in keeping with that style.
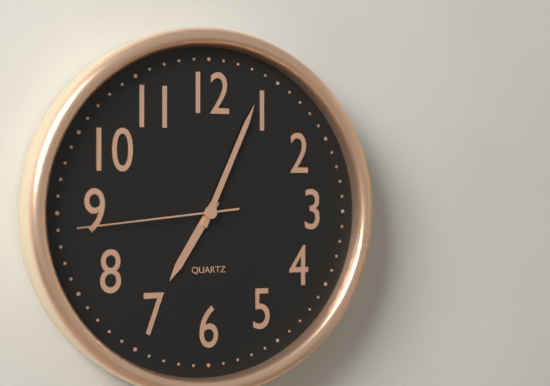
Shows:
7h04m44s
